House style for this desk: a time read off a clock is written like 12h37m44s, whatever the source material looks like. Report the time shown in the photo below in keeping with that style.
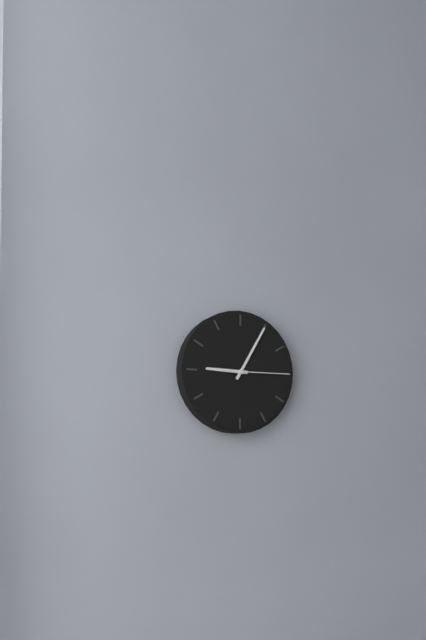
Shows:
9h05m15s
